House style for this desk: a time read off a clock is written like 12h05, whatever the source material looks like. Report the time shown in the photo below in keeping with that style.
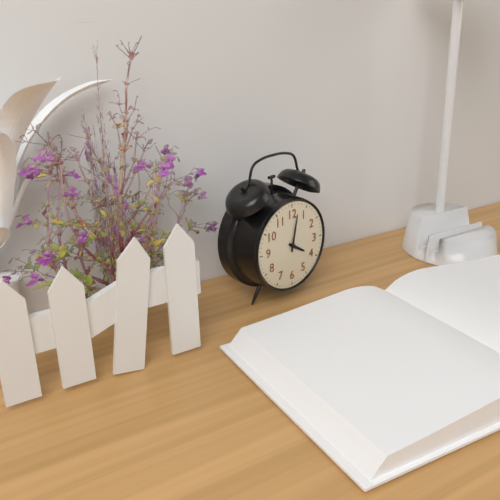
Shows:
4h02
